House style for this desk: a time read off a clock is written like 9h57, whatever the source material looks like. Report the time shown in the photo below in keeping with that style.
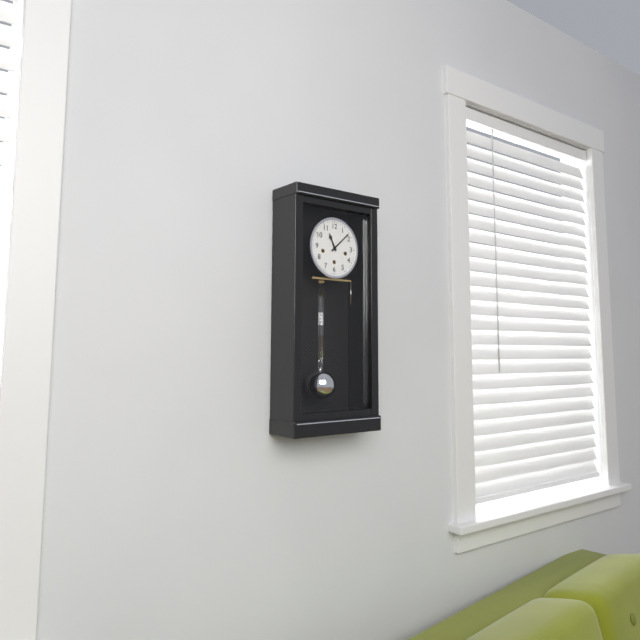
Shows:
11h08
